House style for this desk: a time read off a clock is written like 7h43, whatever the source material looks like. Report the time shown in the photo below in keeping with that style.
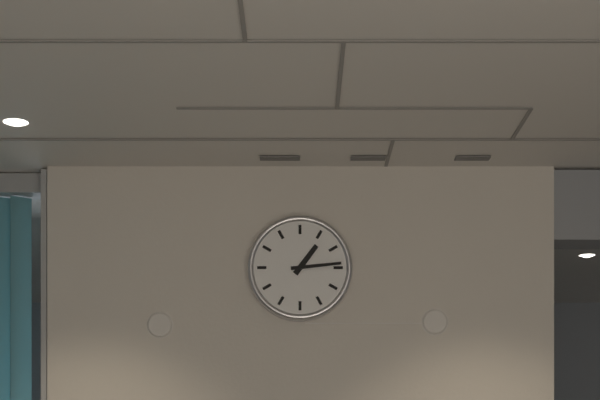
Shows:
1h14
